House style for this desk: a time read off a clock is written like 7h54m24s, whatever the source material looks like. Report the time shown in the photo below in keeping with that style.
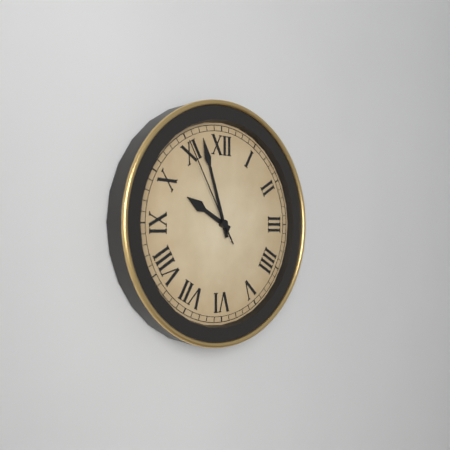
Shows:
9h57m55s
